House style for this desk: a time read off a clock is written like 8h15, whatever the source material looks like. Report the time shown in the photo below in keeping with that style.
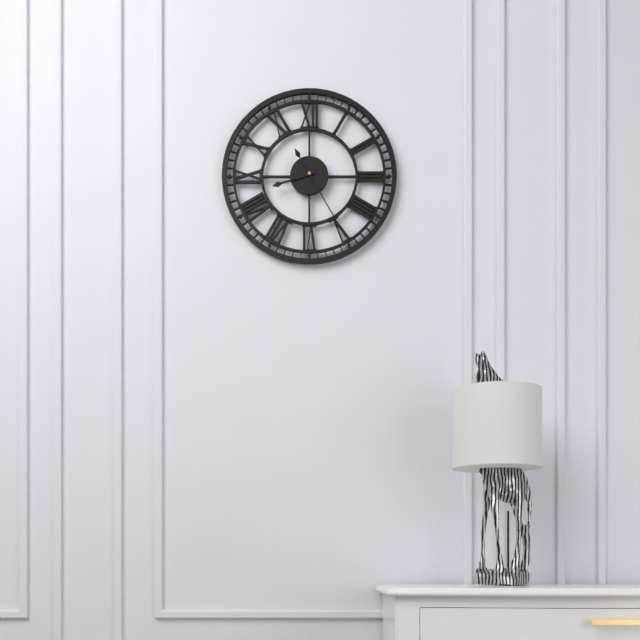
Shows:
8h25
